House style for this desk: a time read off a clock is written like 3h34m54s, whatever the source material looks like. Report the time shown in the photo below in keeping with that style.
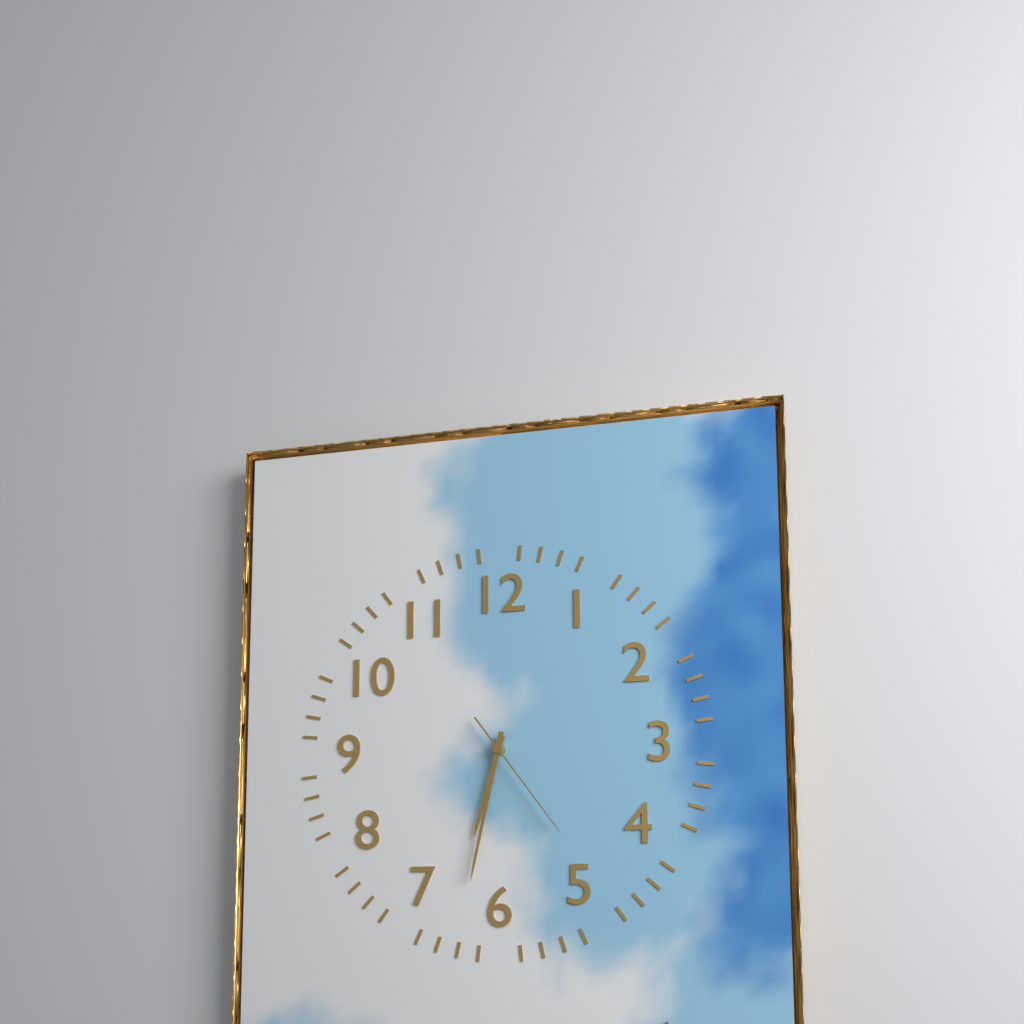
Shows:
6h32m24s
